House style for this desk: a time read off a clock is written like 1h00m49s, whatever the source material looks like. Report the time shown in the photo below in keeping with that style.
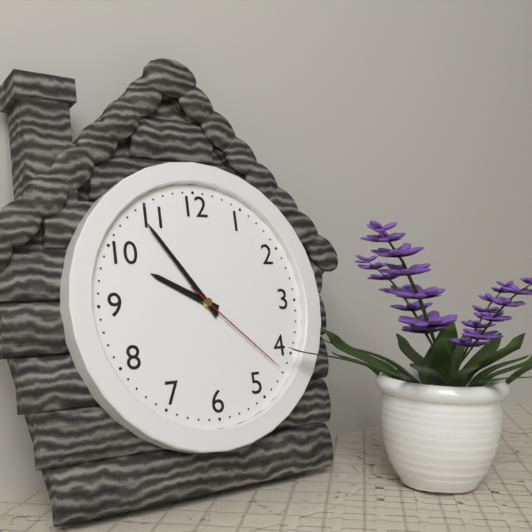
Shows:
9h54m22s
